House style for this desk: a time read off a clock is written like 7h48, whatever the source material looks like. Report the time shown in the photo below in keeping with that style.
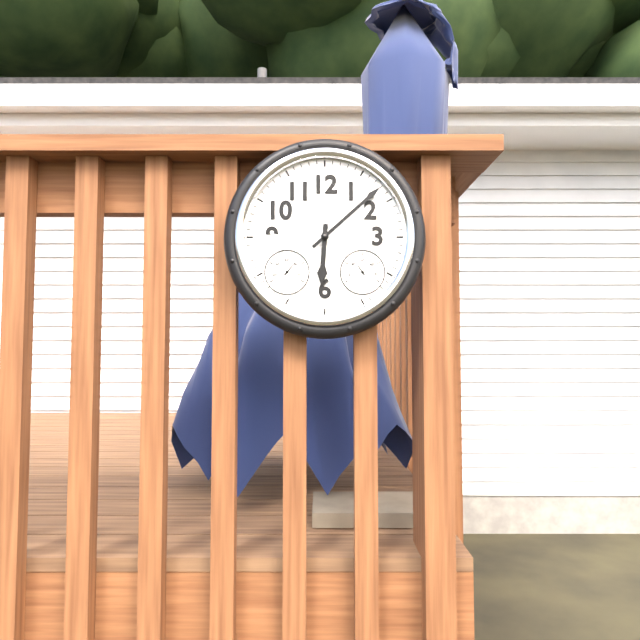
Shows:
6h08
